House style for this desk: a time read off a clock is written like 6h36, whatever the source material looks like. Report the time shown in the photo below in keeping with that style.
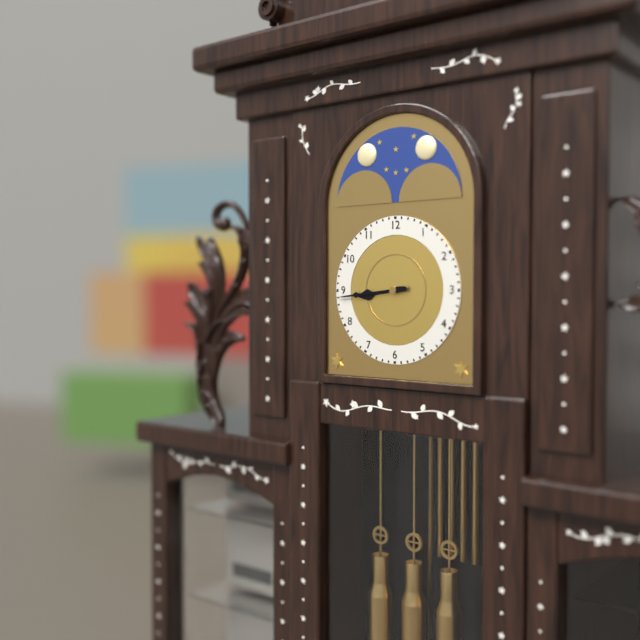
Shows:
8h44
